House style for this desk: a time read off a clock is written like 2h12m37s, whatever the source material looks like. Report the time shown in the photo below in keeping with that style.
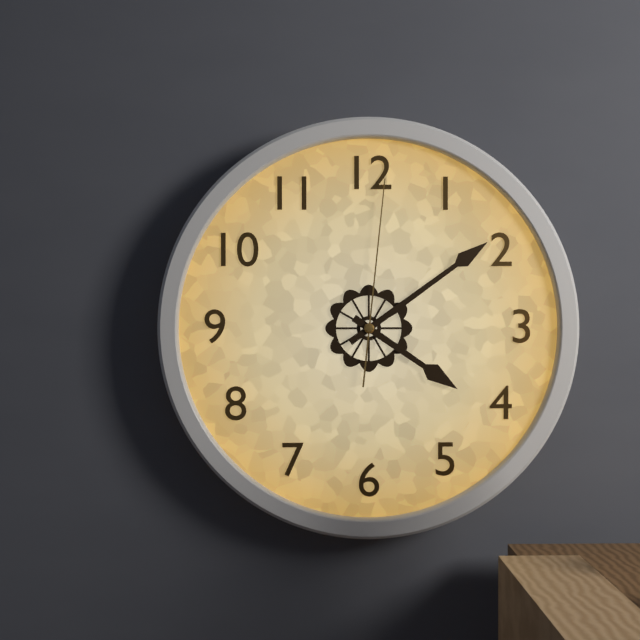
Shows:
4h09m01s
